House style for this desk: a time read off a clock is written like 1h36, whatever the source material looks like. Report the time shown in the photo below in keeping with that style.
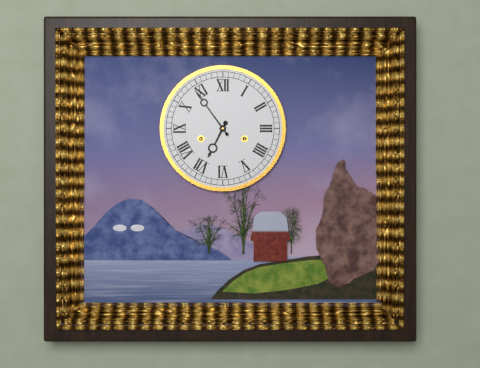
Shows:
6h54
